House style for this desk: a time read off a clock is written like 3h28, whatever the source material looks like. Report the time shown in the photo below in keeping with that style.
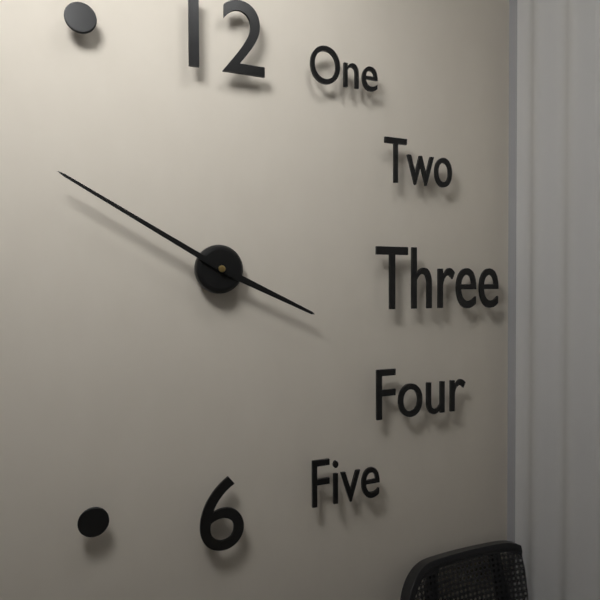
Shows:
3h50
